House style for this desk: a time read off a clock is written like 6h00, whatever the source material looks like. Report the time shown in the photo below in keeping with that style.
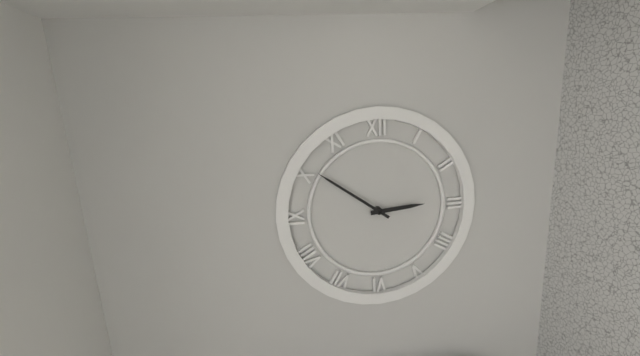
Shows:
2h51
